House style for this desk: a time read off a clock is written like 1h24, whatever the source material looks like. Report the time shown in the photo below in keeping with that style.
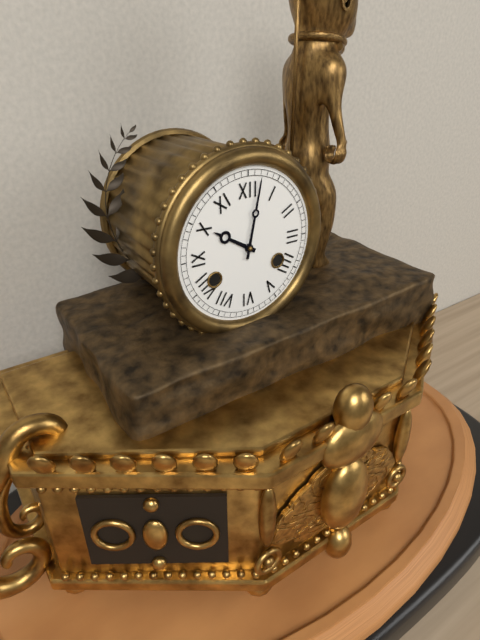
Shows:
10h02
